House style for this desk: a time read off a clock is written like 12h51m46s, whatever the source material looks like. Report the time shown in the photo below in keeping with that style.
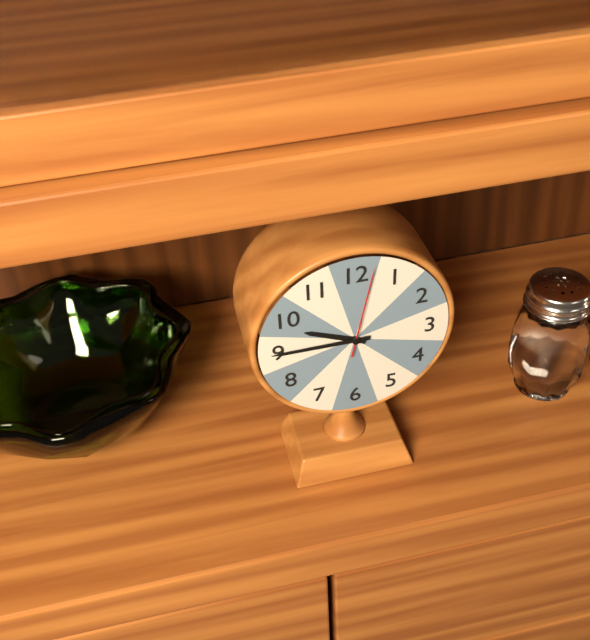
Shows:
9h45m02s
